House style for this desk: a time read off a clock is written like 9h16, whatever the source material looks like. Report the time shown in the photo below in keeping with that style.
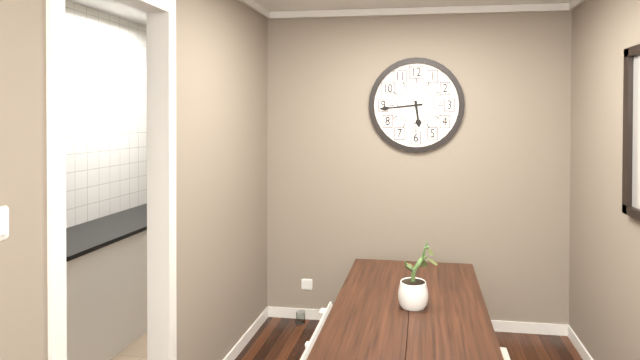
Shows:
5h44
